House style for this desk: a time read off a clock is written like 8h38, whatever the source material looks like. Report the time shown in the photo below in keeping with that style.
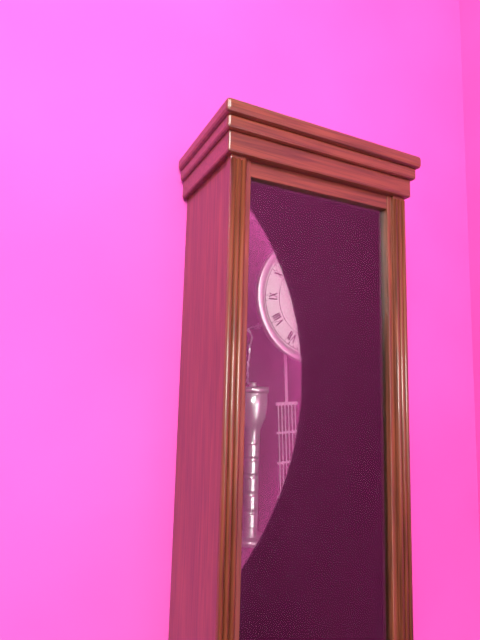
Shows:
5h19
